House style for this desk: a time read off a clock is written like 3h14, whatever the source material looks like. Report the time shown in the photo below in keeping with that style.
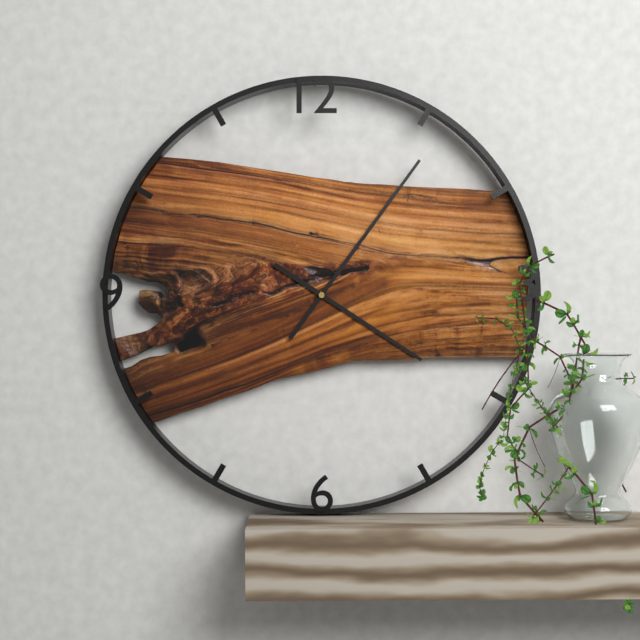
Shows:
4h06
